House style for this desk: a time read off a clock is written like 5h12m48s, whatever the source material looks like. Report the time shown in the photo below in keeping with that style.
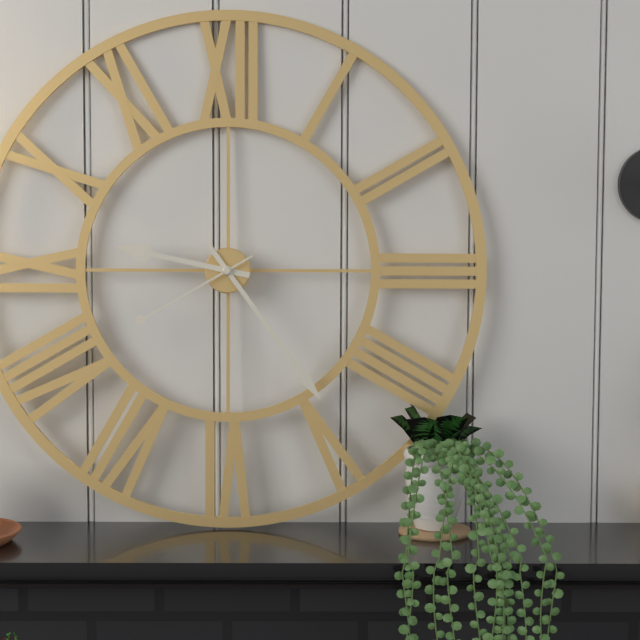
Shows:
9h24m40s
